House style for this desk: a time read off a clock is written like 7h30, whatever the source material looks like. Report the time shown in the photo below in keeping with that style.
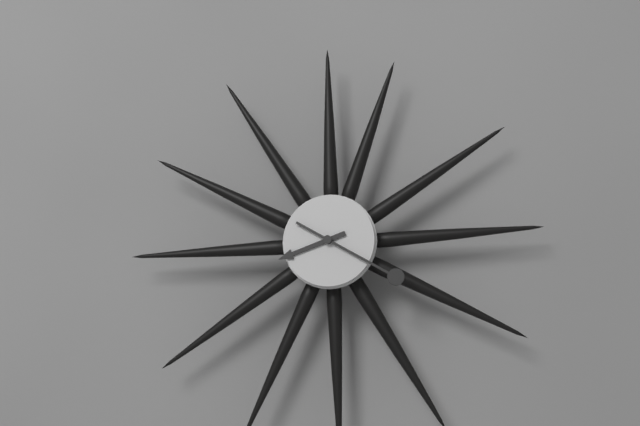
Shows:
8h20
